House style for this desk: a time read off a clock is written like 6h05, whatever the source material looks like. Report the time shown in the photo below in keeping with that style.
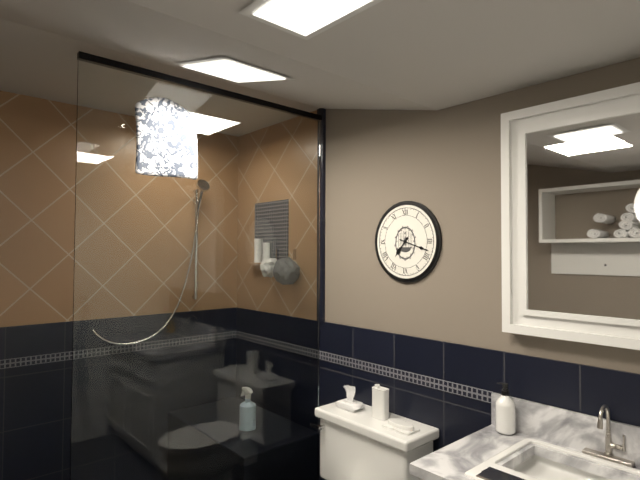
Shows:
7h18
